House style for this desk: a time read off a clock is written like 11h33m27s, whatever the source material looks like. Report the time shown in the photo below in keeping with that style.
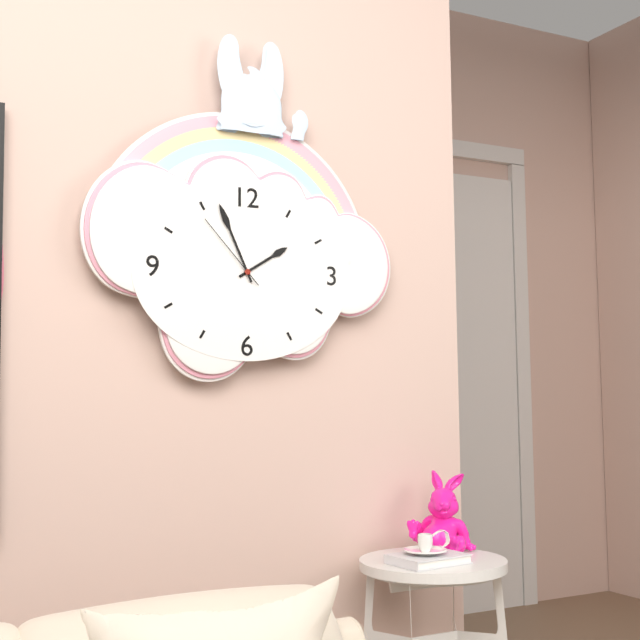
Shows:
1h56m53s
